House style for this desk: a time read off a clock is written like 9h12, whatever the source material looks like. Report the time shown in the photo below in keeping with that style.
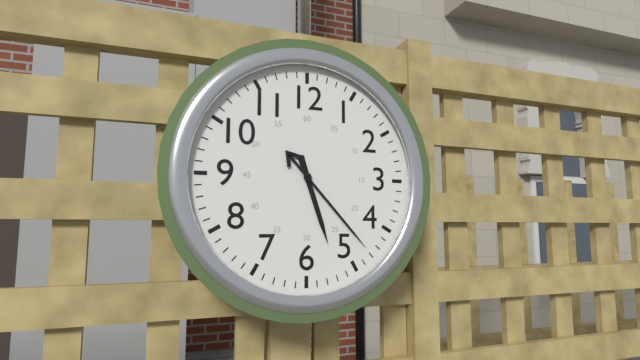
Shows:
5h23
